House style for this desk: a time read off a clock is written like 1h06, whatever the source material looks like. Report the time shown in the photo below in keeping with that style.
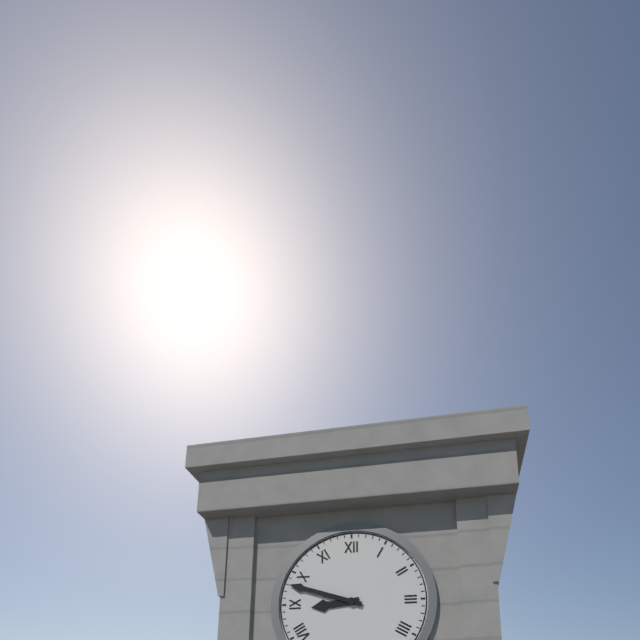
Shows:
8h48
